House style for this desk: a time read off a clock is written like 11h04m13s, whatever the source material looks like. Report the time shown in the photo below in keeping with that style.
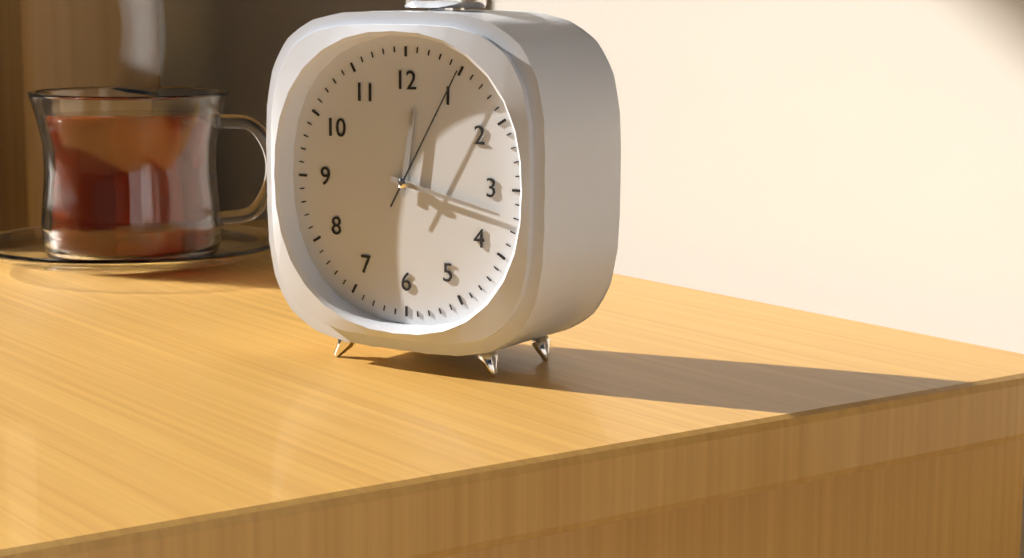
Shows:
12h17m05s
